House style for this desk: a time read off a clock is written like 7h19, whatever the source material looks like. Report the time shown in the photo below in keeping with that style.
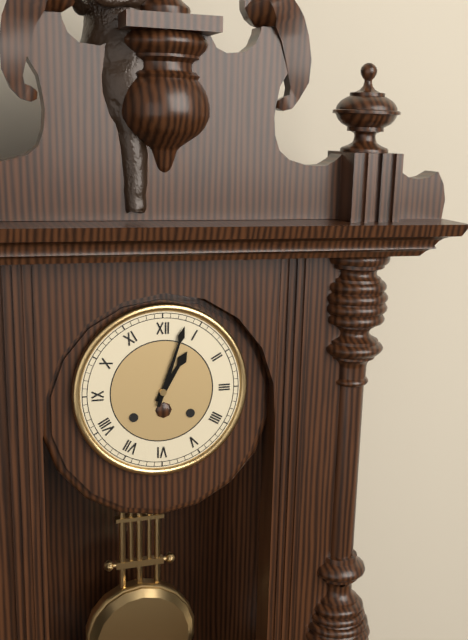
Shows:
1h03
